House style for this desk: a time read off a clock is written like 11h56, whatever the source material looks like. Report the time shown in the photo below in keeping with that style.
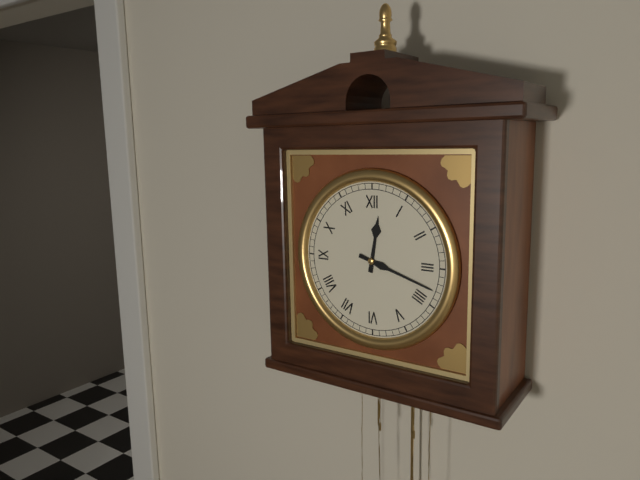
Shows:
12h18
